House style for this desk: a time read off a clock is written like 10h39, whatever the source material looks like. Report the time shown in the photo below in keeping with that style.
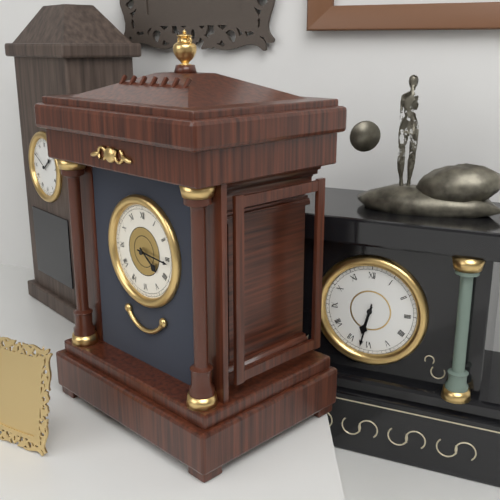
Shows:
4h16
